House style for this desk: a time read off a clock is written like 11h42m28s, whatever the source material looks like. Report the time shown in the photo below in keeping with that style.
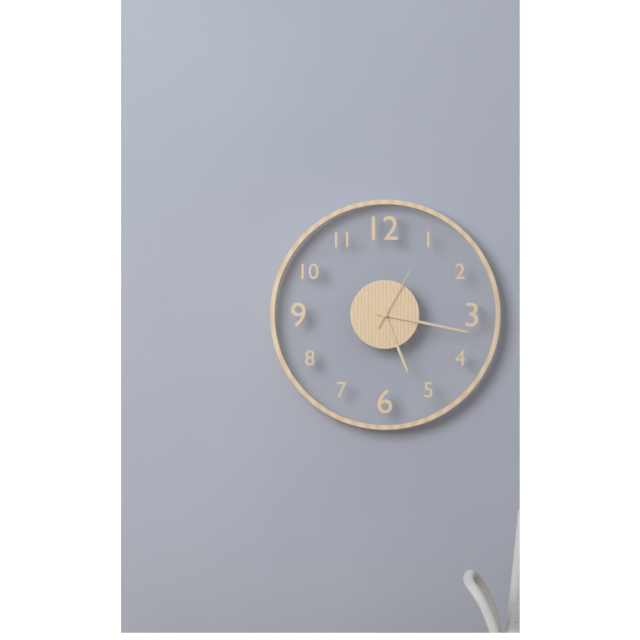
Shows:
5h17m05s
